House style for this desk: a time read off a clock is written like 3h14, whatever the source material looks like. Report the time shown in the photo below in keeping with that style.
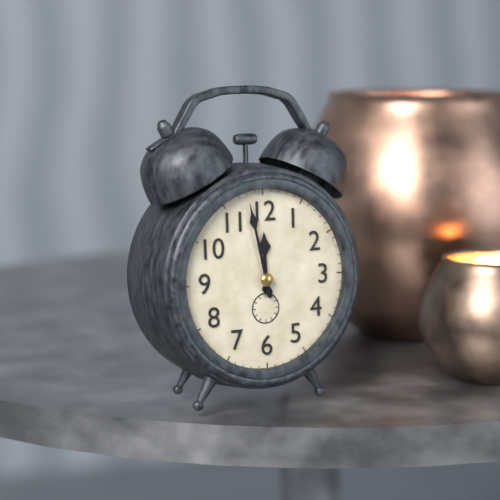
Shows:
11h58
